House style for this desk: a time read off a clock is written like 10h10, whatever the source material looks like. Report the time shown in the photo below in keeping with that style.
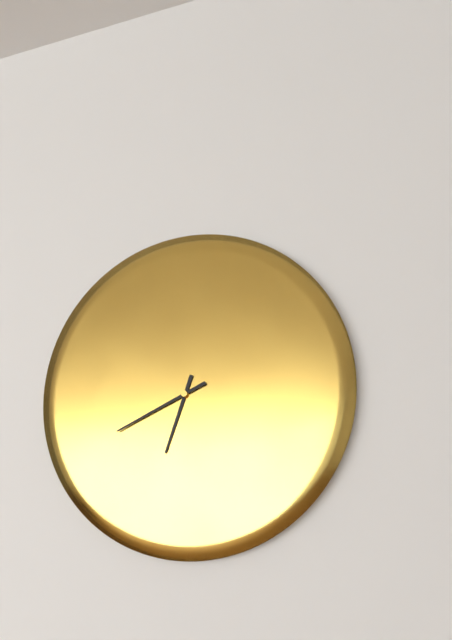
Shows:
6h41
